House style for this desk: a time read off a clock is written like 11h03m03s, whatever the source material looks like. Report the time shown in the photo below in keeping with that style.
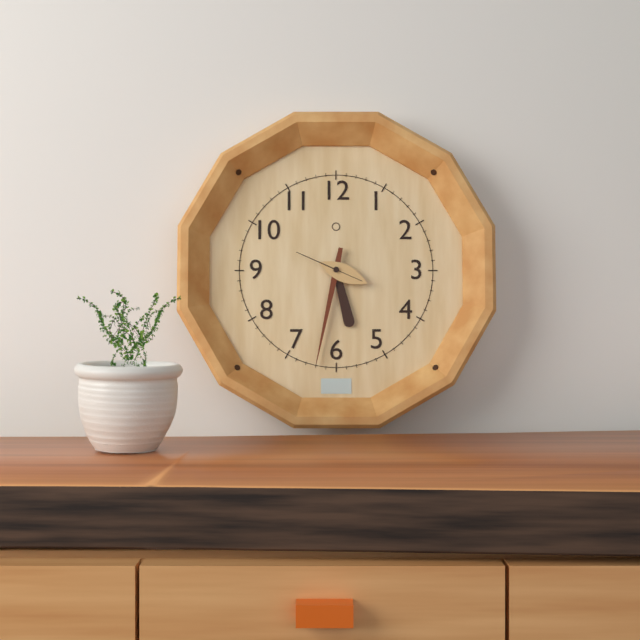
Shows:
5h32m49s
